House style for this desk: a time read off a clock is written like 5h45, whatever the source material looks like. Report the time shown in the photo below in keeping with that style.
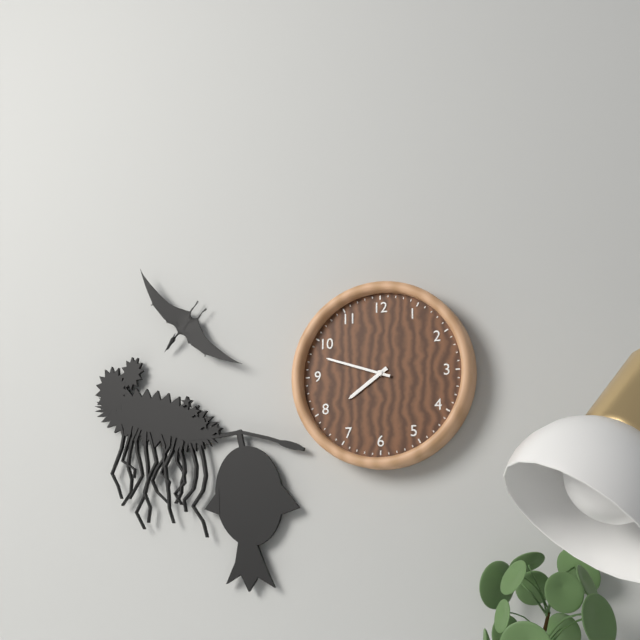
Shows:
7h48
